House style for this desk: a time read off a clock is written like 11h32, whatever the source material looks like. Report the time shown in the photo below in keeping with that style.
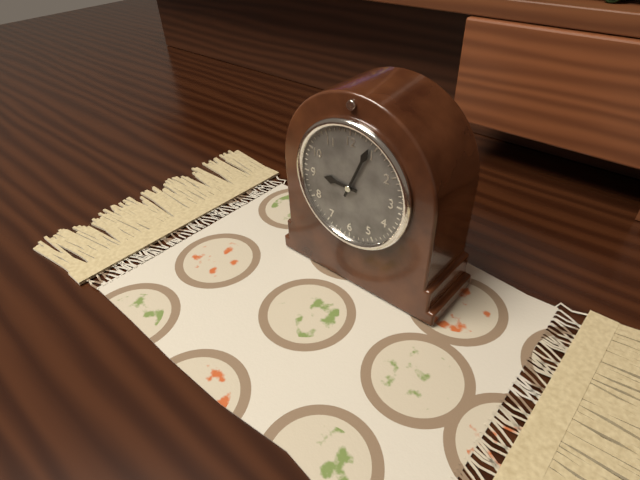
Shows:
9h04
